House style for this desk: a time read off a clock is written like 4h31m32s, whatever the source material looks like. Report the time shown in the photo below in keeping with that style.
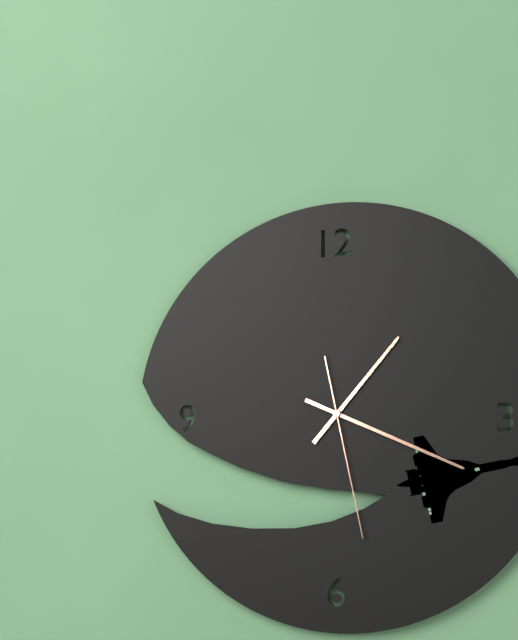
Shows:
1h19m28s
